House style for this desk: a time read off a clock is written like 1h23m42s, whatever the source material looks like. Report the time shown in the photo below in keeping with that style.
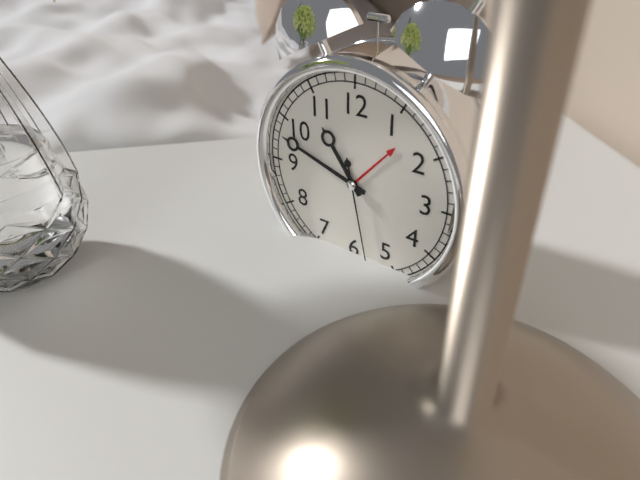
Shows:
10h48m28s
